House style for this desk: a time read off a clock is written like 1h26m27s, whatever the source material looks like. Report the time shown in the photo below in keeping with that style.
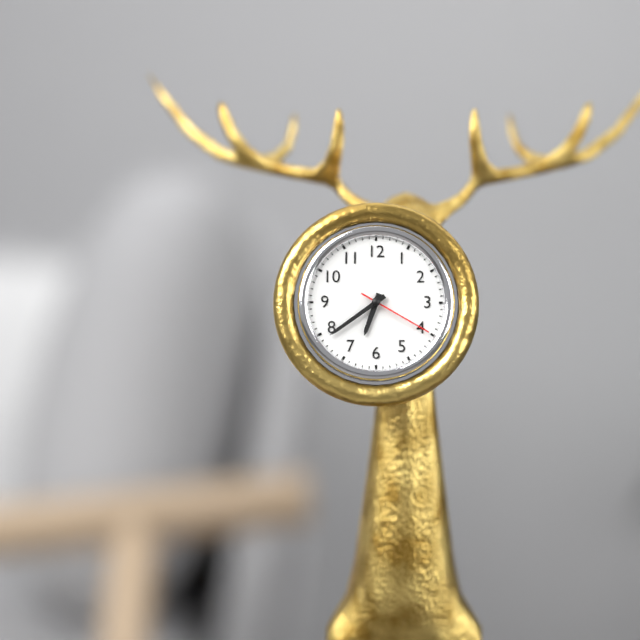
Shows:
6h39m20s
